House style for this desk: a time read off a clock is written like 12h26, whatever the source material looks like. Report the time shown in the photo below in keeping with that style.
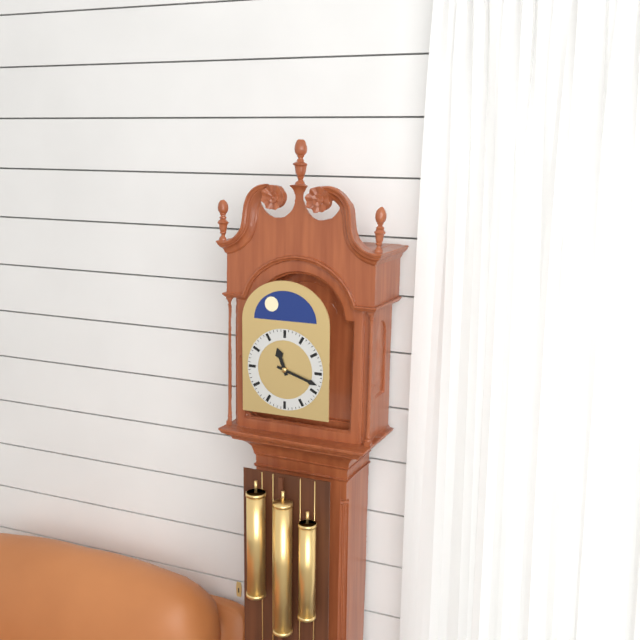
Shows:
11h18
